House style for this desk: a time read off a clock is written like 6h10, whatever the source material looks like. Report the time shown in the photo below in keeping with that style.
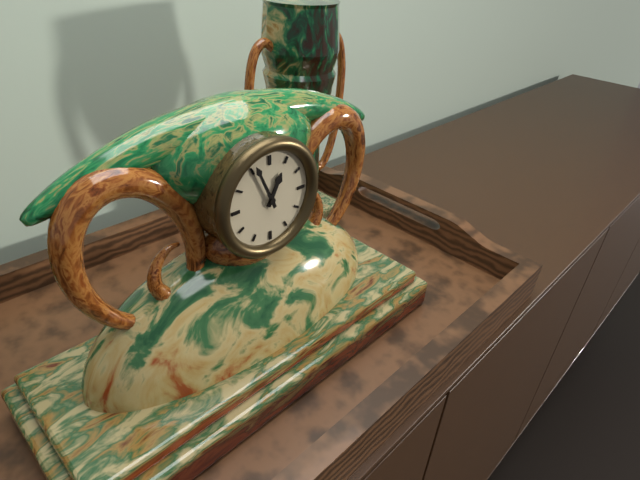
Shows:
12h56
